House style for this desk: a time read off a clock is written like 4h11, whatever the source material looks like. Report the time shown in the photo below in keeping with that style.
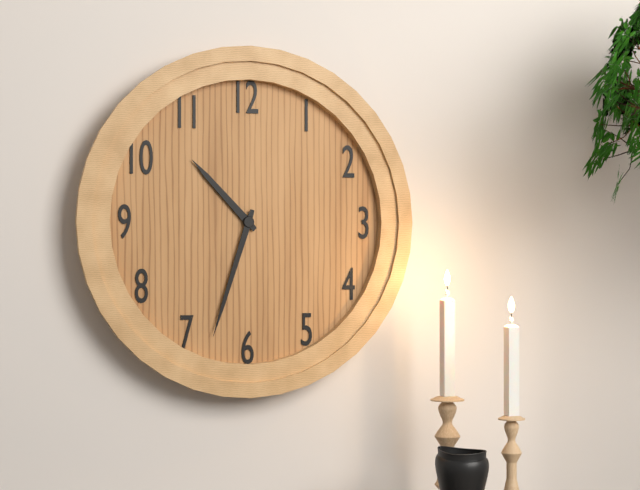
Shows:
10h33
